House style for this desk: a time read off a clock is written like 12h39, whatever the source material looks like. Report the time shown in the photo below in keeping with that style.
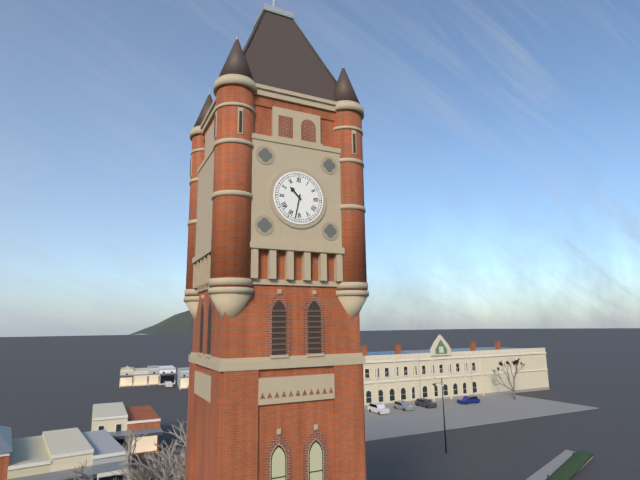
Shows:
10h32
